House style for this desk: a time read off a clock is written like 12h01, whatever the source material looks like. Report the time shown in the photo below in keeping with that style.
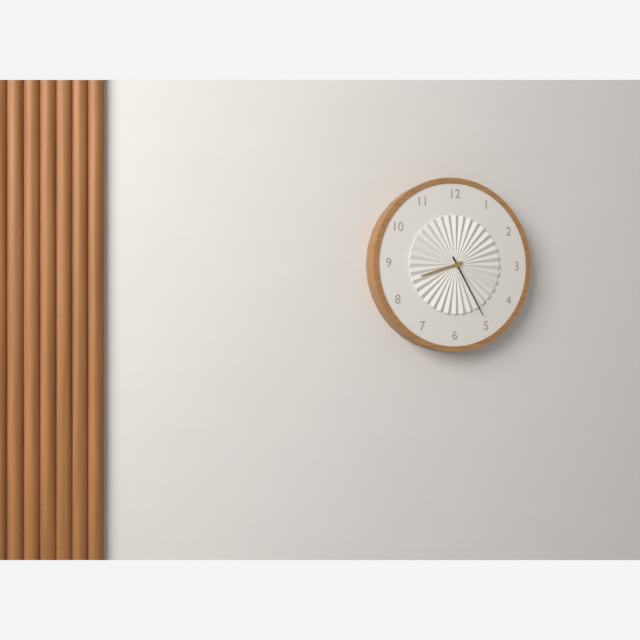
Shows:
8h25
